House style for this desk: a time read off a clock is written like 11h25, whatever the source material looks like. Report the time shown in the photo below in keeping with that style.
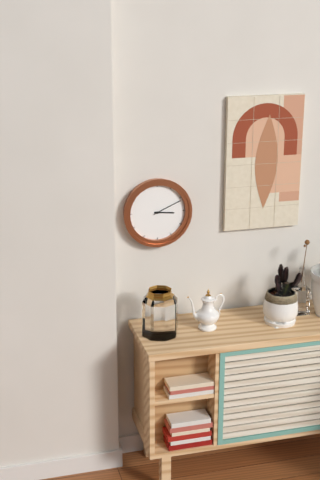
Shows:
3h11
